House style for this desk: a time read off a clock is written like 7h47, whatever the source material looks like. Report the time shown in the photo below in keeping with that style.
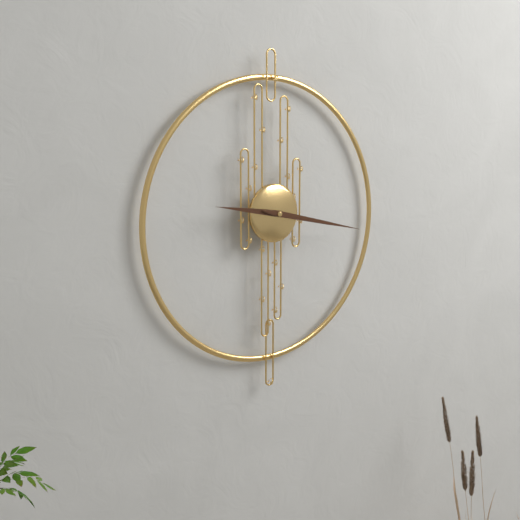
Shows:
9h17
